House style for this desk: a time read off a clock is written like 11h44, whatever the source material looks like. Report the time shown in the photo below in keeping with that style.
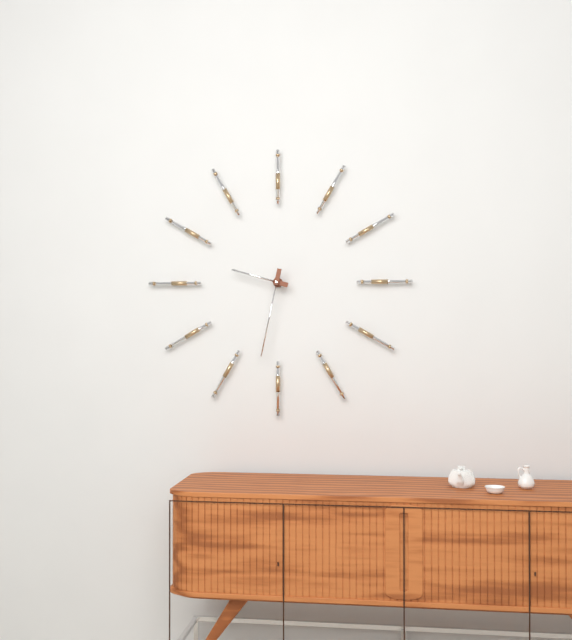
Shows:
9h32
